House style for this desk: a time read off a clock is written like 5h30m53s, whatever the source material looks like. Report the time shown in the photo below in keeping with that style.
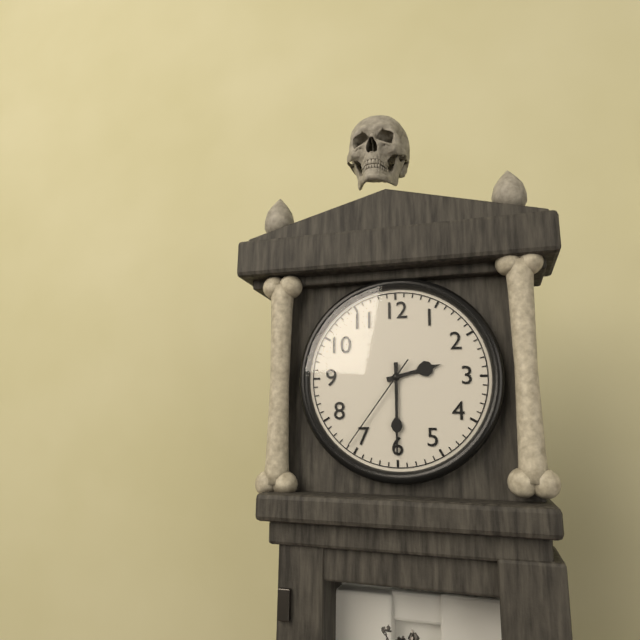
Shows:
2h30m36s
